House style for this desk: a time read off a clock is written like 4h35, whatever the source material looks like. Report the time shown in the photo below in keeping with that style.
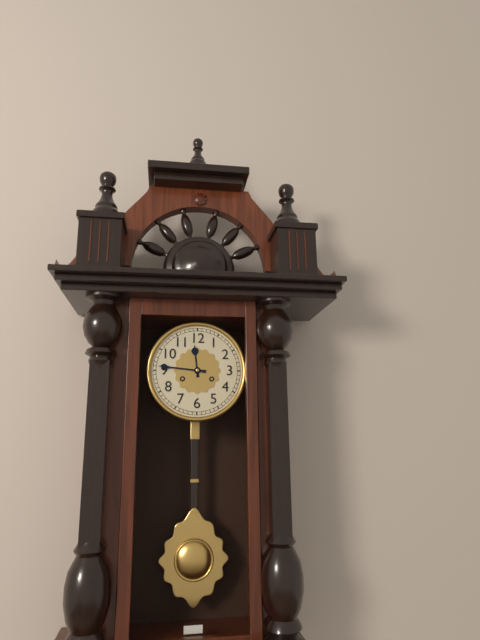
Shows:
11h46
